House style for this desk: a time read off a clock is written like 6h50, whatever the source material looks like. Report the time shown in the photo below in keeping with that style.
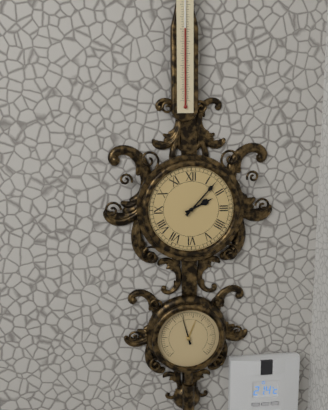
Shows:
2h07
